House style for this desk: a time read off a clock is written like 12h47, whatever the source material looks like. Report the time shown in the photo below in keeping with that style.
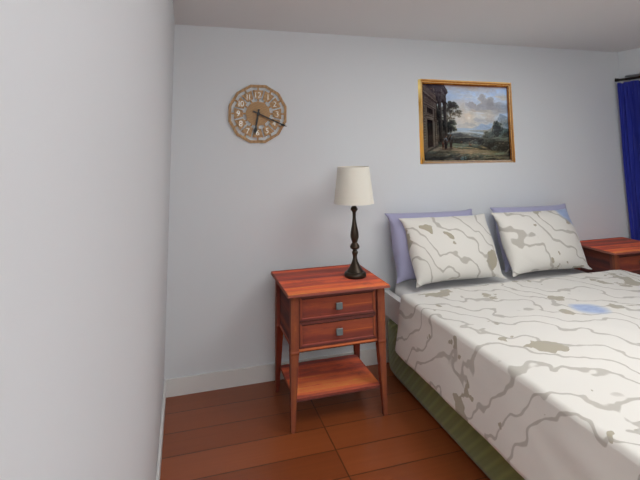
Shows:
6h19
